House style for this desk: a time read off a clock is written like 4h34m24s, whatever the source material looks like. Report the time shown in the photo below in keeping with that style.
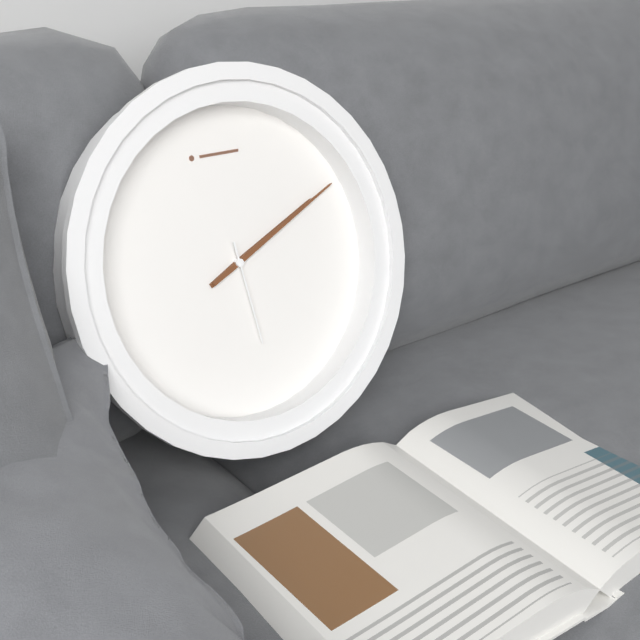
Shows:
2h11m29s
